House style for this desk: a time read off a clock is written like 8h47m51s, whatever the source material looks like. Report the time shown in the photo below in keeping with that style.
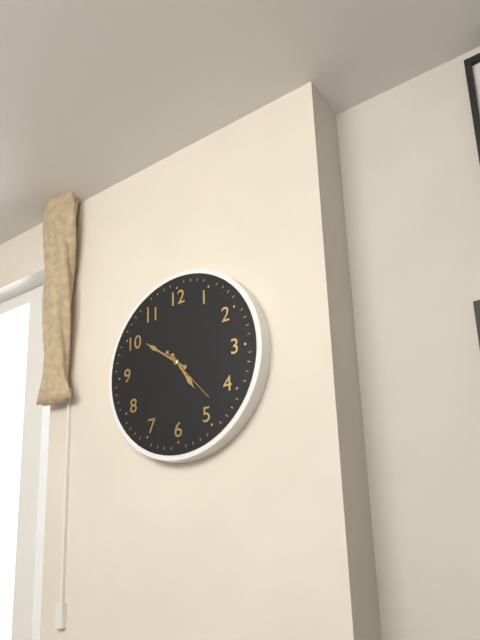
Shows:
4h51m23s
